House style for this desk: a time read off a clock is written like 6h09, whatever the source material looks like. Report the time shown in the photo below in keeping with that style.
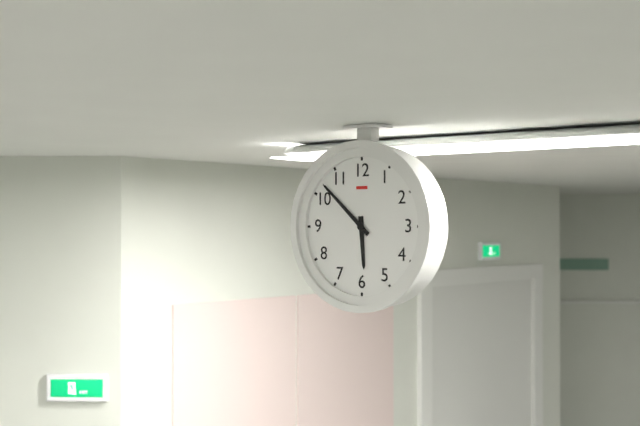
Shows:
5h52
